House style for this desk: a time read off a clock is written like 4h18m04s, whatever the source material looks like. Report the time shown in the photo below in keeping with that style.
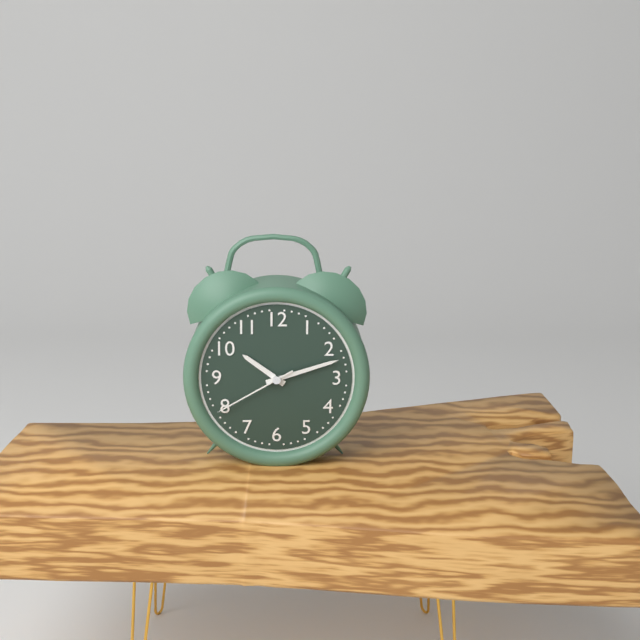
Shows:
10h12m40s
